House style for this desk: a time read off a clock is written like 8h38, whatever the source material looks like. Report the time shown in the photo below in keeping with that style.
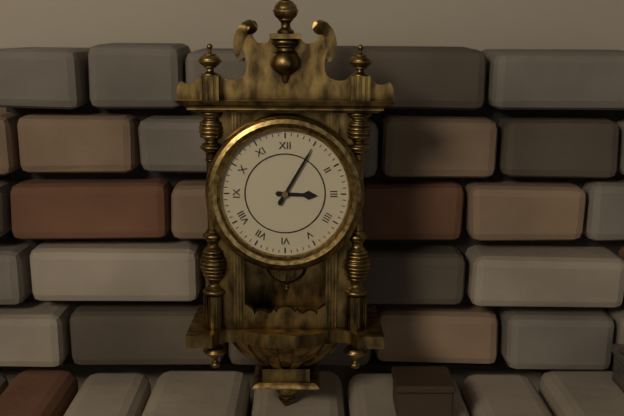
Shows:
3h05
